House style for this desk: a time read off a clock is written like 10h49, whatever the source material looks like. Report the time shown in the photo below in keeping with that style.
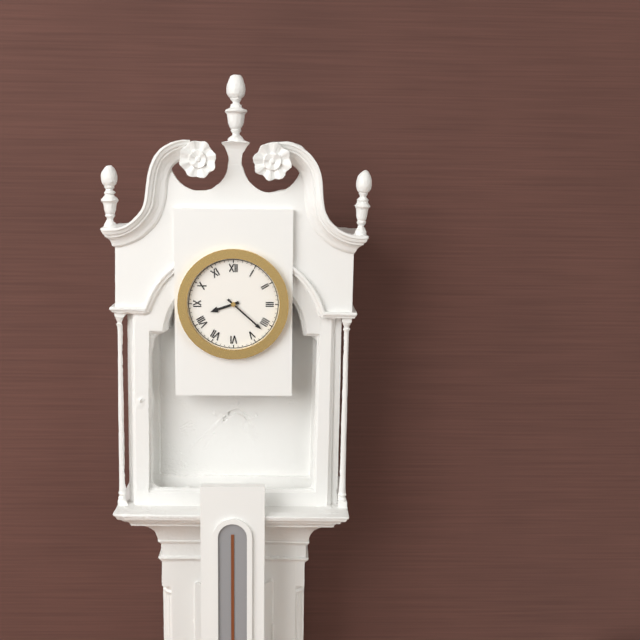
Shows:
8h22
